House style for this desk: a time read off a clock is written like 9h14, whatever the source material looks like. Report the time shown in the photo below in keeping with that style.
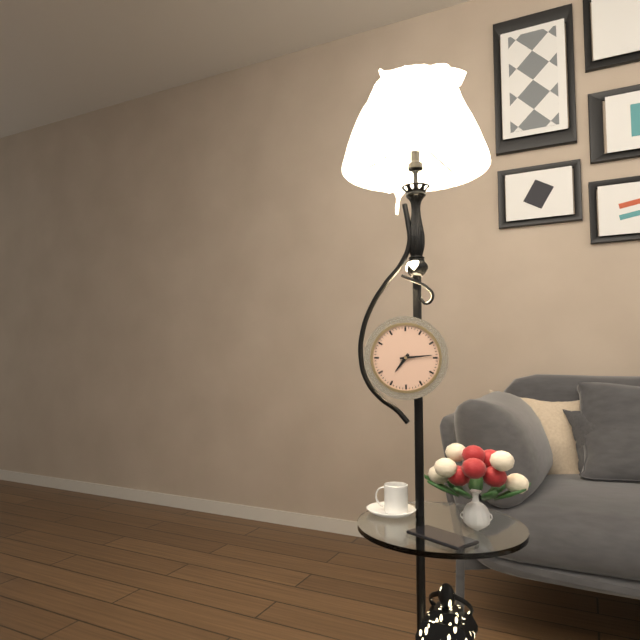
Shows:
7h14
